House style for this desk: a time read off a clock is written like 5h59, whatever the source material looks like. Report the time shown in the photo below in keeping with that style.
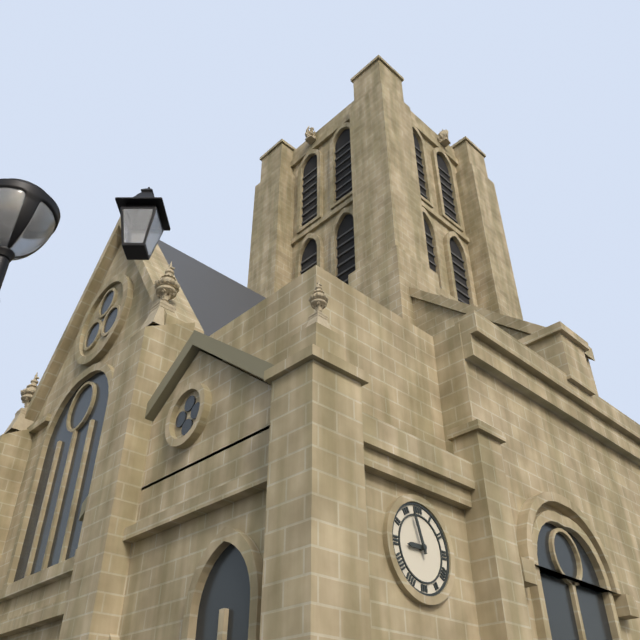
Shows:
8h57
